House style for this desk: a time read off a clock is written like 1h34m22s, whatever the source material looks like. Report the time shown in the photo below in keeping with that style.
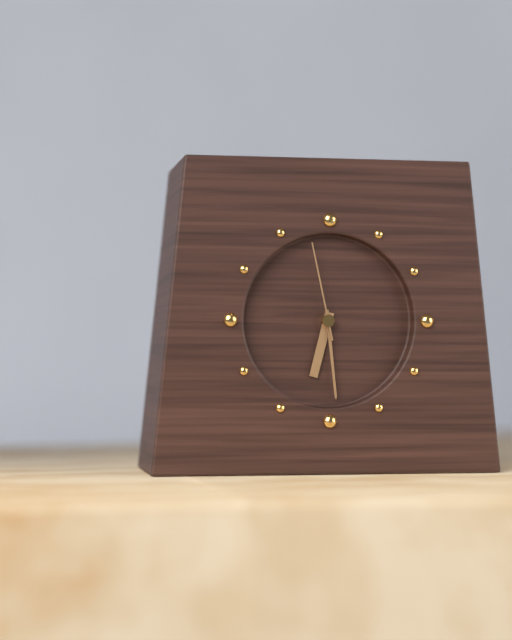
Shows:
6h29m58s
